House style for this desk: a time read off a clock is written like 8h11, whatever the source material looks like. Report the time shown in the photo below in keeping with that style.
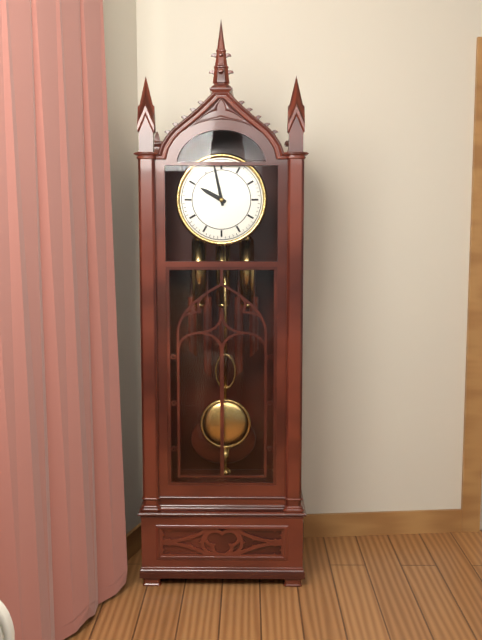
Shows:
9h58
